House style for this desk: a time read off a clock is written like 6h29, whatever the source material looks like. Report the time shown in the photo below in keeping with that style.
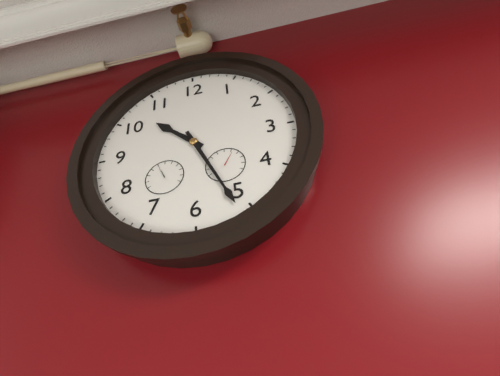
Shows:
10h26
